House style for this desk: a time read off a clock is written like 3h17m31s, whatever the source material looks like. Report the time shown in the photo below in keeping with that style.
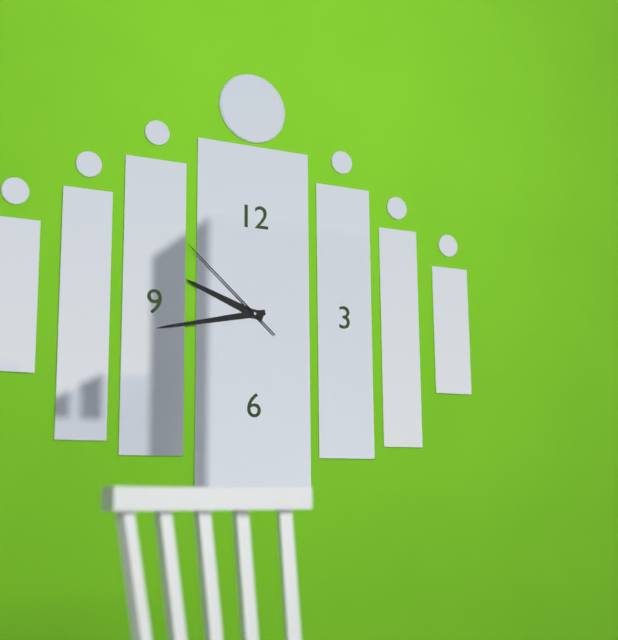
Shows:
9h43m52s
